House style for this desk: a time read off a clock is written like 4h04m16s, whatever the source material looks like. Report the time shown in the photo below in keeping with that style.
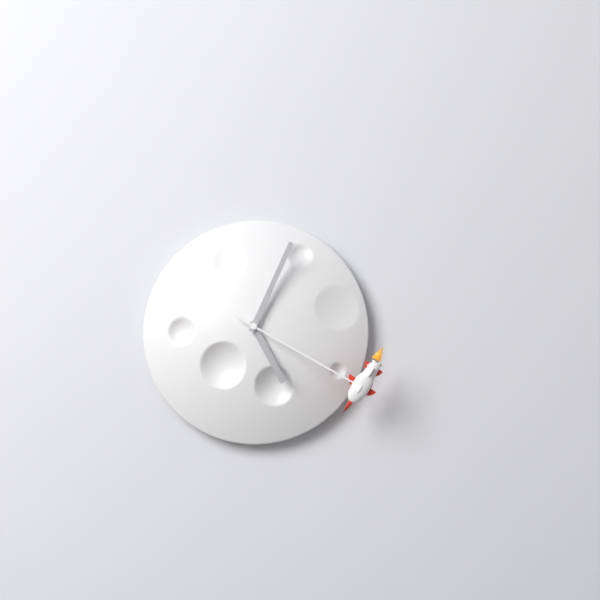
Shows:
5h04m20s
